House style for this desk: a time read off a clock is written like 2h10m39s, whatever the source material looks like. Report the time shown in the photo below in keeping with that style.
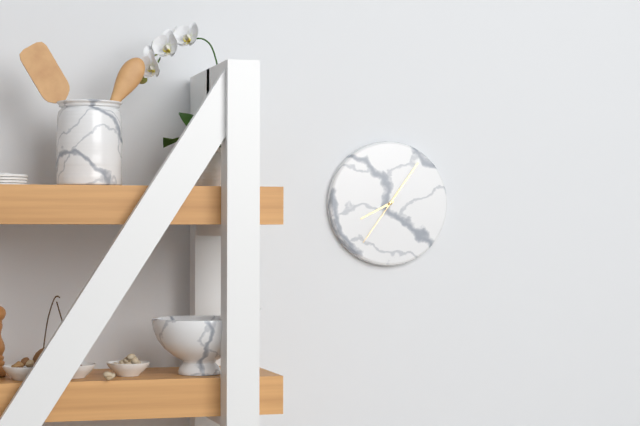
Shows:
8h06m36s
